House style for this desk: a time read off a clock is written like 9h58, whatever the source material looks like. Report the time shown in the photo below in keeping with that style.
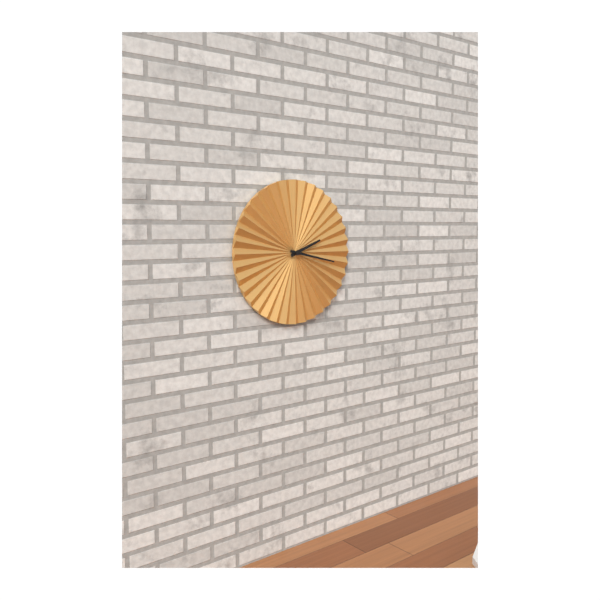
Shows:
2h17
